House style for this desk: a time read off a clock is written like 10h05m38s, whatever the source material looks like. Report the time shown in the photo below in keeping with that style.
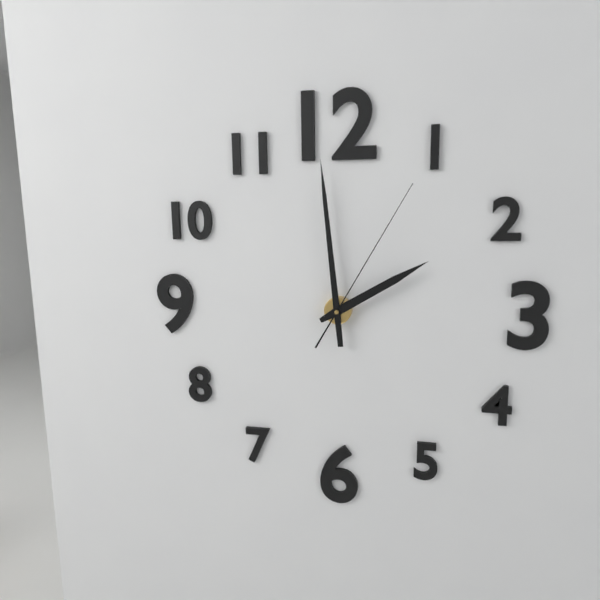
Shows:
1h59m05s
